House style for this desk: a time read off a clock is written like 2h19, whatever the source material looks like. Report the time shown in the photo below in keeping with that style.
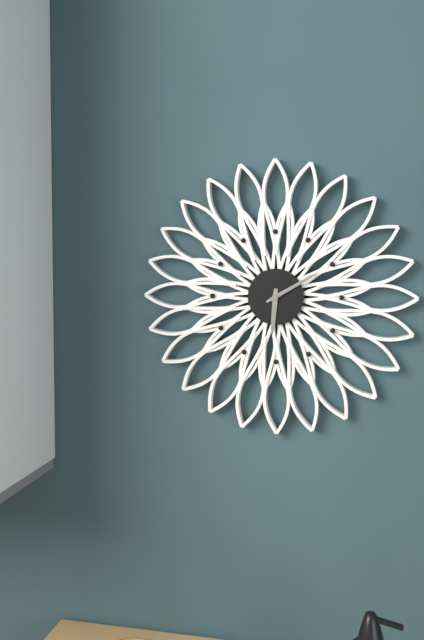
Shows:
6h10
